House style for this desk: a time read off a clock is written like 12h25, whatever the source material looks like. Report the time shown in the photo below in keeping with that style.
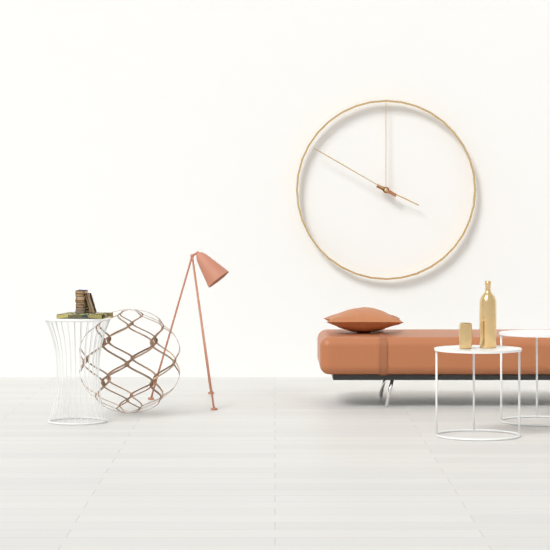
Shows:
3h50
